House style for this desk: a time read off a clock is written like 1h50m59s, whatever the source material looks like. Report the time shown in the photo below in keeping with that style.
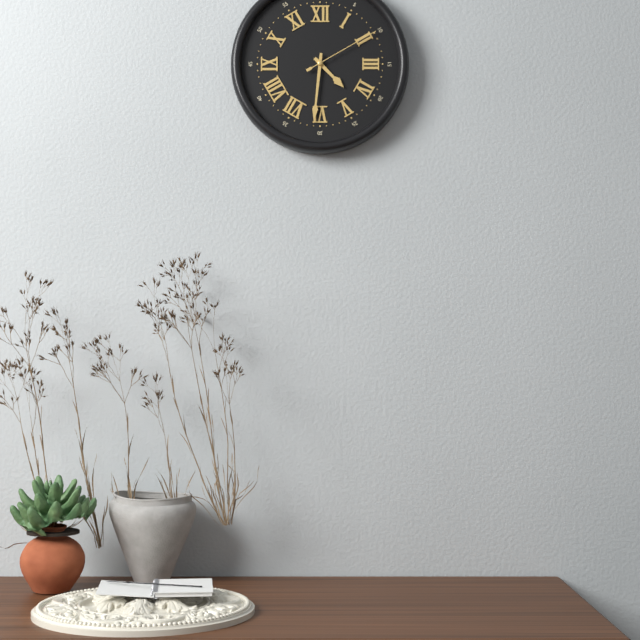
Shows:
4h31m10s
